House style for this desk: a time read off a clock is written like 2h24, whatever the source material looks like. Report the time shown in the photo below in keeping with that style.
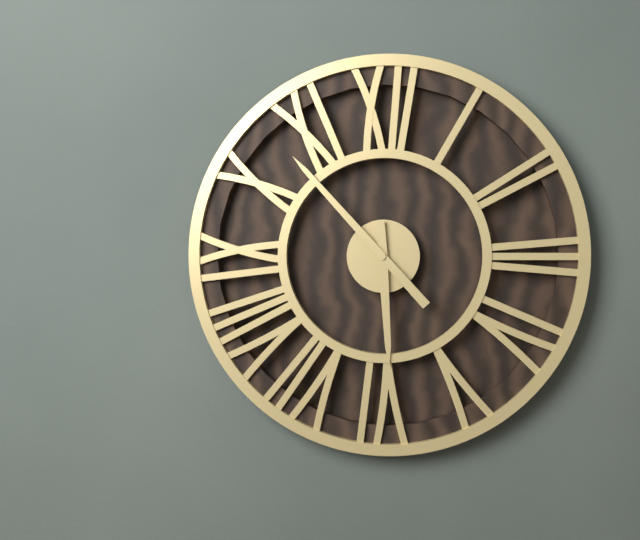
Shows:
5h53
